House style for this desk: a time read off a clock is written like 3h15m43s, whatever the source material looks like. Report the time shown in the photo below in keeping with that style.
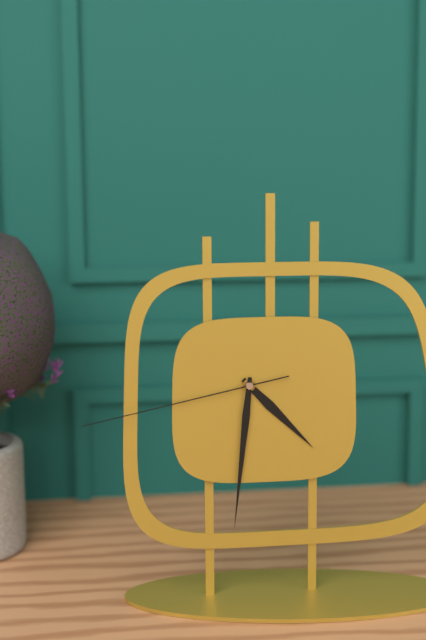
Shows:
4h31m43s
